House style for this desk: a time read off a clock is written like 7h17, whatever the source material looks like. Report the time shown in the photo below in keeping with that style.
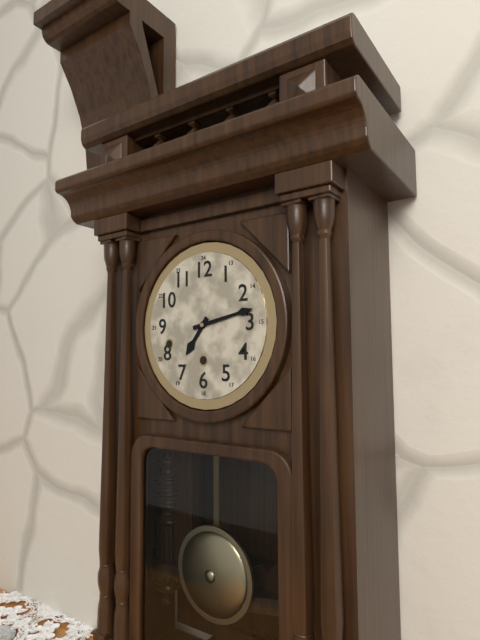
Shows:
7h13
